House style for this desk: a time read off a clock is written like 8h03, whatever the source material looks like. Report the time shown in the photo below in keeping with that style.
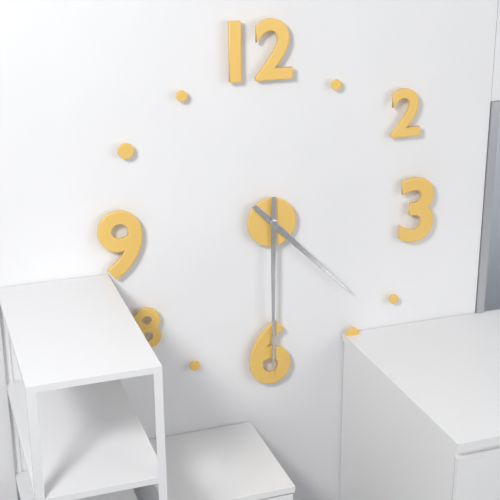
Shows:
4h30
